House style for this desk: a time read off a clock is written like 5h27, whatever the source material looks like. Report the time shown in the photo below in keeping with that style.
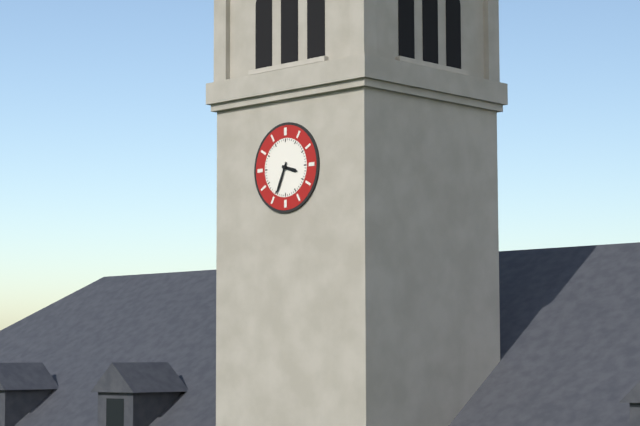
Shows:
3h34
